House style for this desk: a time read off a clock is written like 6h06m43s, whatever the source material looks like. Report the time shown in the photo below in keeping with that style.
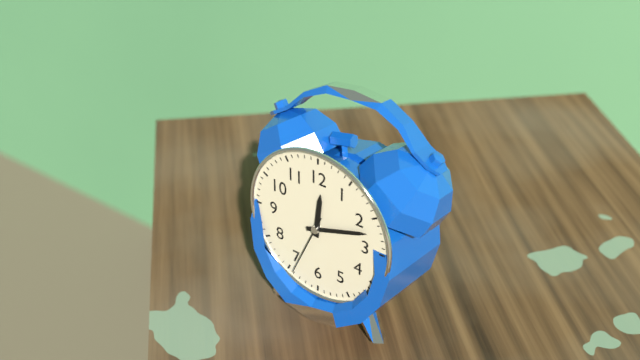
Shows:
12h12m34s
